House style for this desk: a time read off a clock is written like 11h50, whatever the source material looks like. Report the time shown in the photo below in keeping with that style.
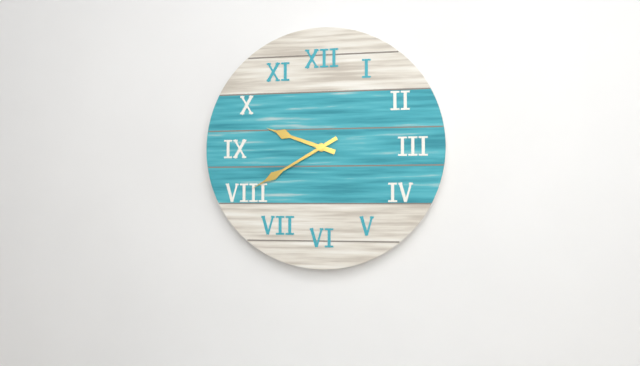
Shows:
9h40
